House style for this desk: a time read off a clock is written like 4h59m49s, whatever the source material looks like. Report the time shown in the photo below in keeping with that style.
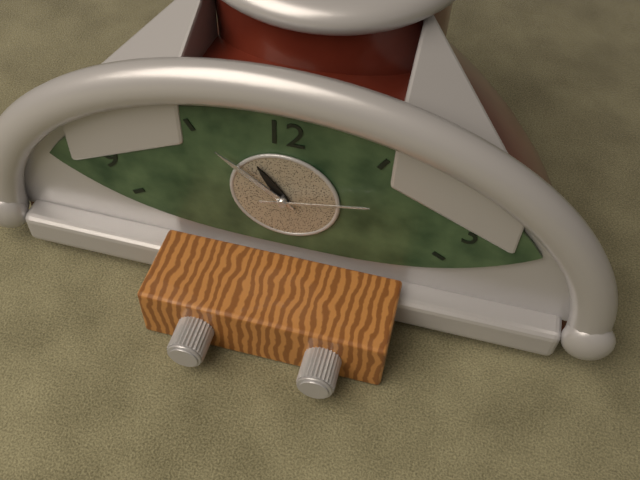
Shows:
10h51m13s
